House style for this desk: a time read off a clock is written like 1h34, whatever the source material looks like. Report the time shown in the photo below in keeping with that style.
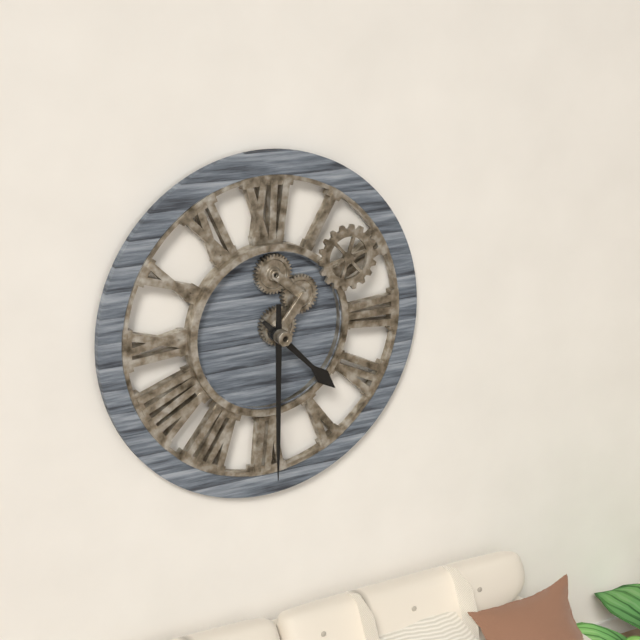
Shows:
4h30
